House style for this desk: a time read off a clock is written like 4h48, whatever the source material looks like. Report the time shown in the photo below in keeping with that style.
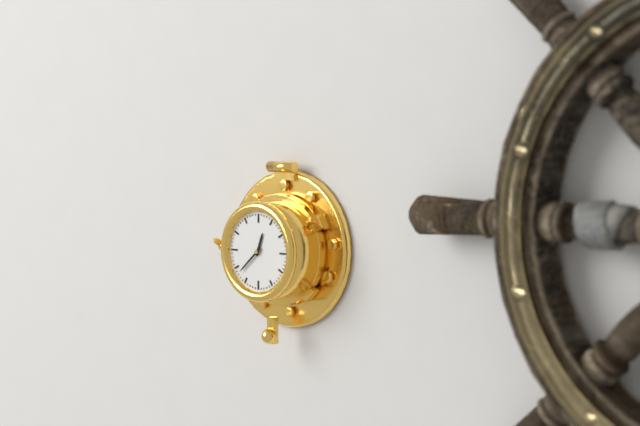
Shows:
12h38
